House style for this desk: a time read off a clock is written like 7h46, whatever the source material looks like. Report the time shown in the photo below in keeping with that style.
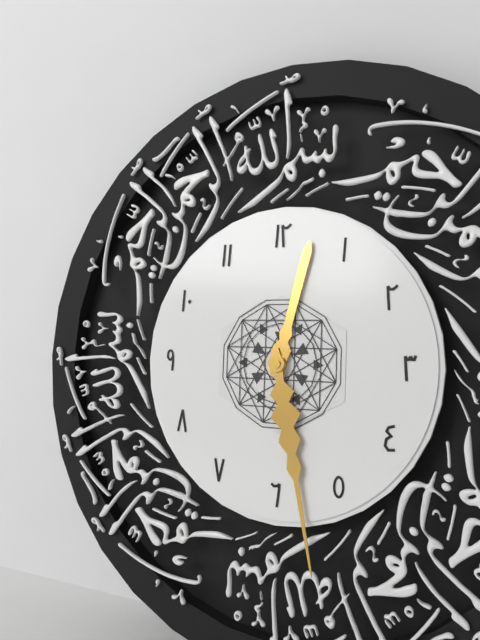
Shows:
12h28
